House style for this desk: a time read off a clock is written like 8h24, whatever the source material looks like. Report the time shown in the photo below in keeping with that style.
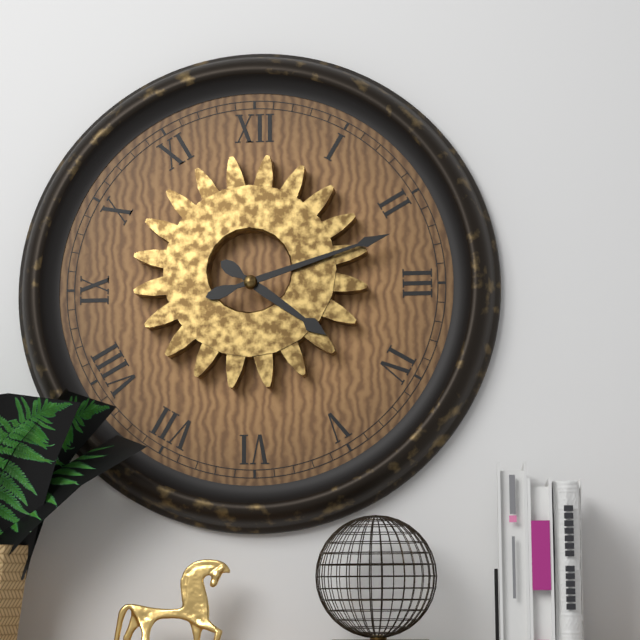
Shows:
4h12
